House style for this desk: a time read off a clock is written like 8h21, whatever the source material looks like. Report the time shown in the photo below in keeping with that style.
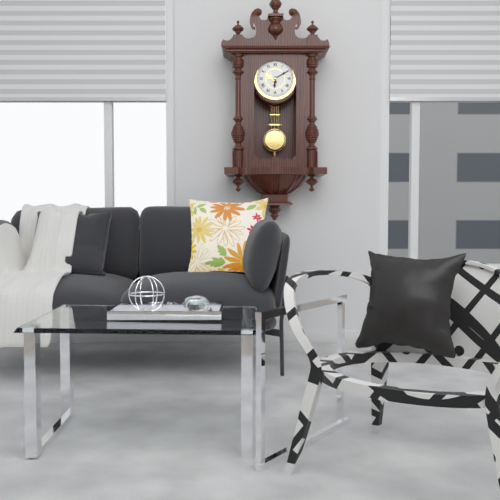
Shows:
6h10
